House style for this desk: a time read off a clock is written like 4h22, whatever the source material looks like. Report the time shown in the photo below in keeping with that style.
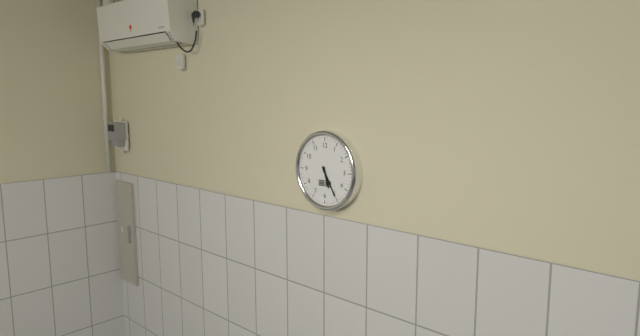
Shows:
5h25
